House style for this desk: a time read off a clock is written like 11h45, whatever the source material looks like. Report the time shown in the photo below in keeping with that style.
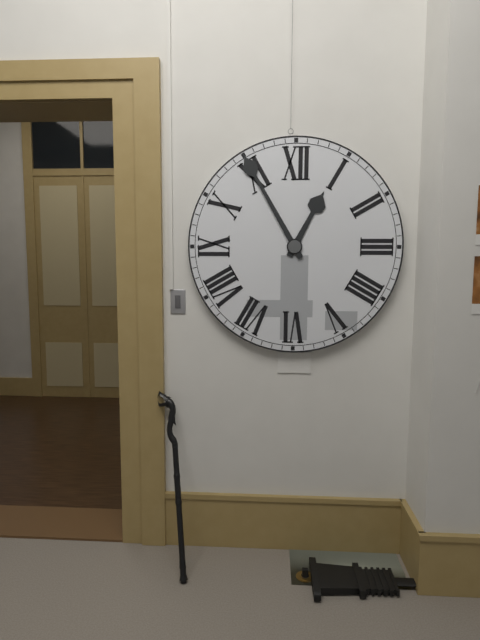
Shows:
12h55
